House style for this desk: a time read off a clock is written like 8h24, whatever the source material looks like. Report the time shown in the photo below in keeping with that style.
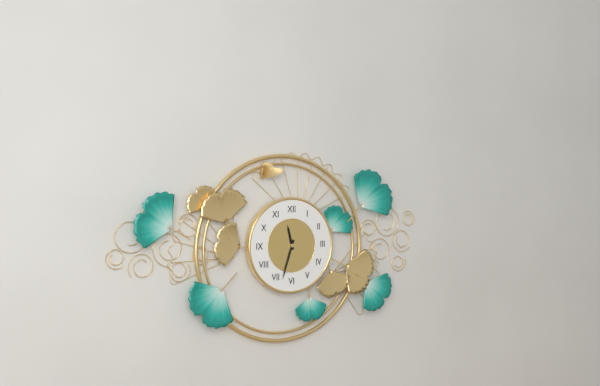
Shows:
11h33
